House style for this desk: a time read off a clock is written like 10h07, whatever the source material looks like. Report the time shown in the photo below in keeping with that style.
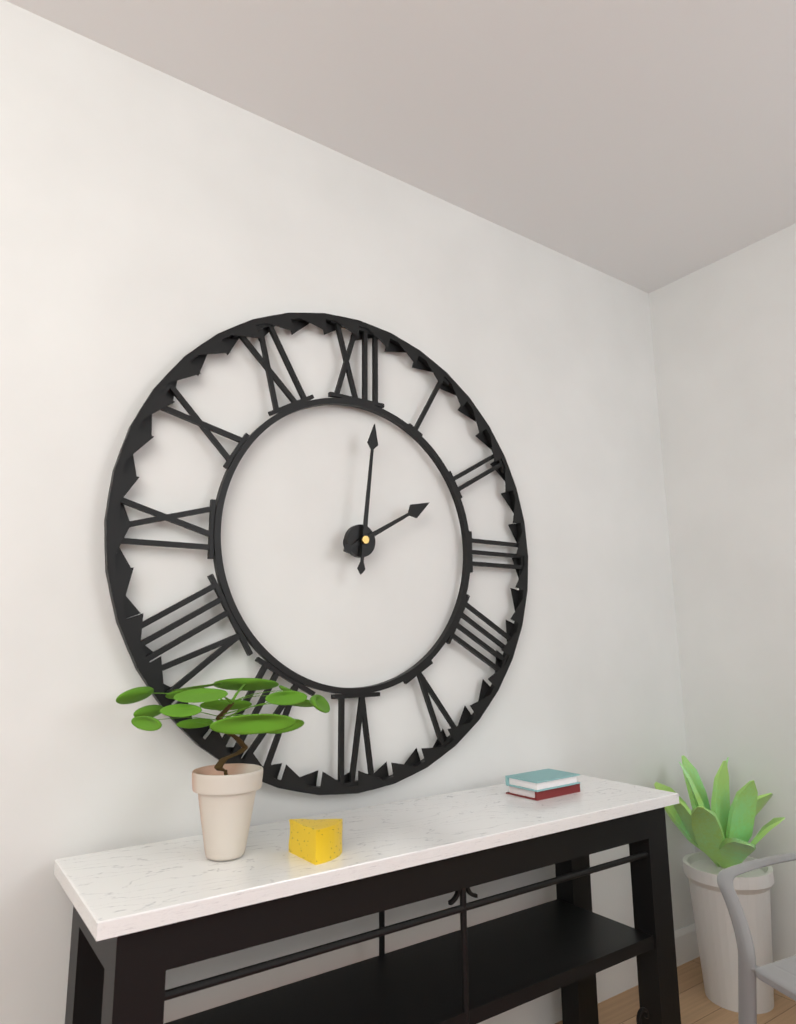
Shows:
2h01
